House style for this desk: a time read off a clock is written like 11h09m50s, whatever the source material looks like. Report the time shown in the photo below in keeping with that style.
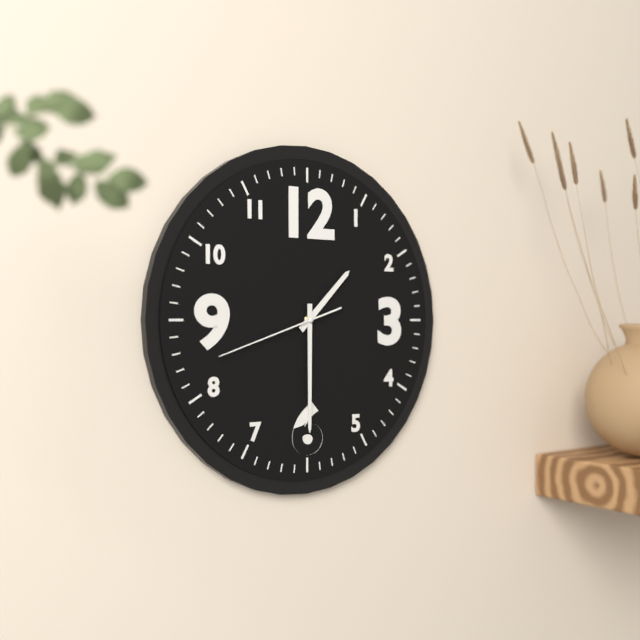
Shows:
1h30m42s
